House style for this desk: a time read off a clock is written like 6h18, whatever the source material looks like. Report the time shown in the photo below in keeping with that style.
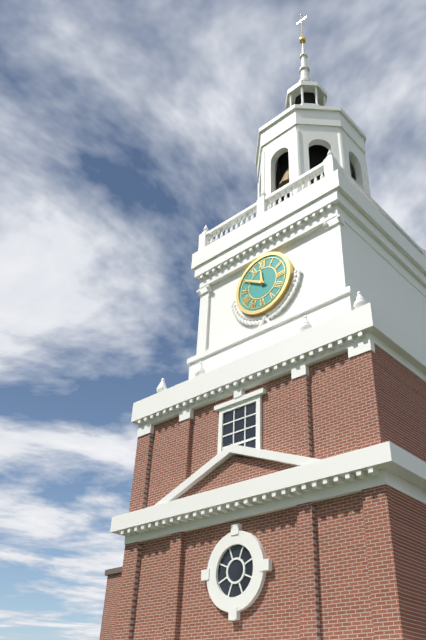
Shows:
11h50
